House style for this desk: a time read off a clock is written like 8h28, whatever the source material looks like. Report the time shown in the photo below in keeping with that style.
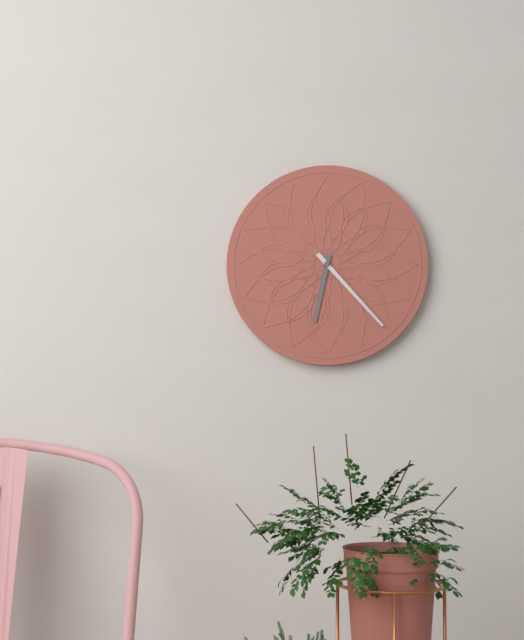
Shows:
6h23
